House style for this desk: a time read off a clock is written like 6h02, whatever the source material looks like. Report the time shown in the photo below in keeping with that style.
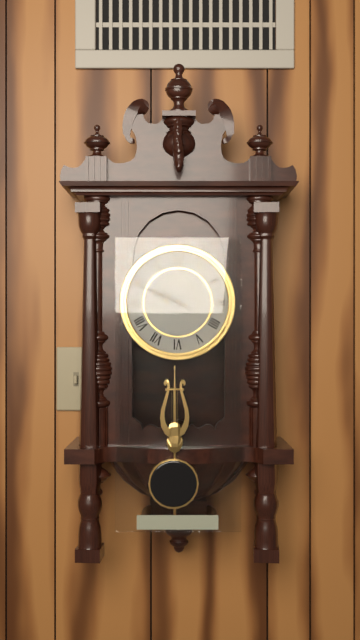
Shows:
9h49
